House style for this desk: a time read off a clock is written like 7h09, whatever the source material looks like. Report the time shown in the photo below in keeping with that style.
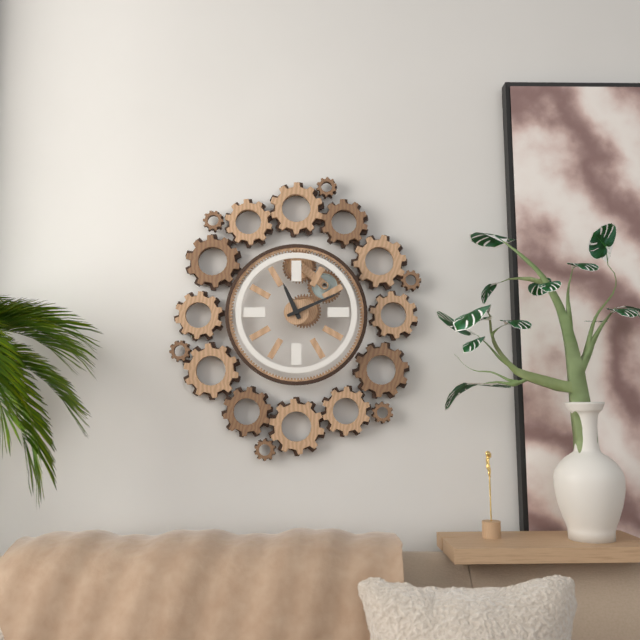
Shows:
11h11
